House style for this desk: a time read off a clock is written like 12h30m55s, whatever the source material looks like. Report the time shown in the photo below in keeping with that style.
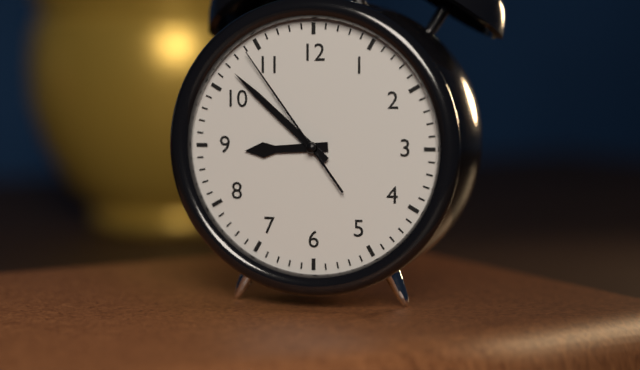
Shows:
8h52m54s
